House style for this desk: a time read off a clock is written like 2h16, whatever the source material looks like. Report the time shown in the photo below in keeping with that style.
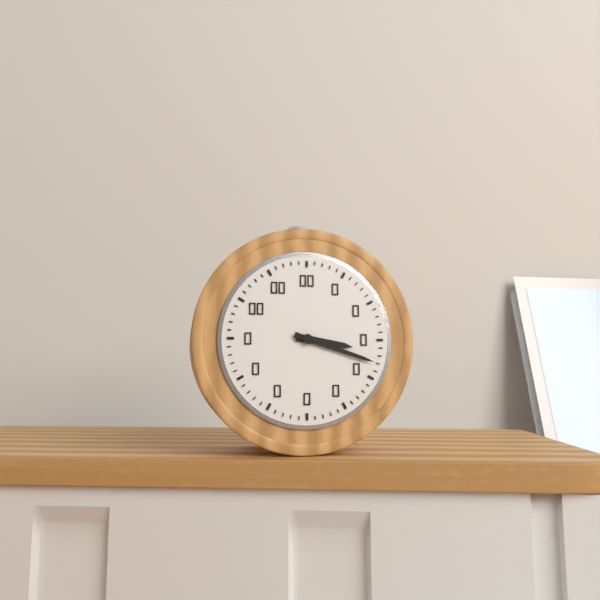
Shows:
3h18
